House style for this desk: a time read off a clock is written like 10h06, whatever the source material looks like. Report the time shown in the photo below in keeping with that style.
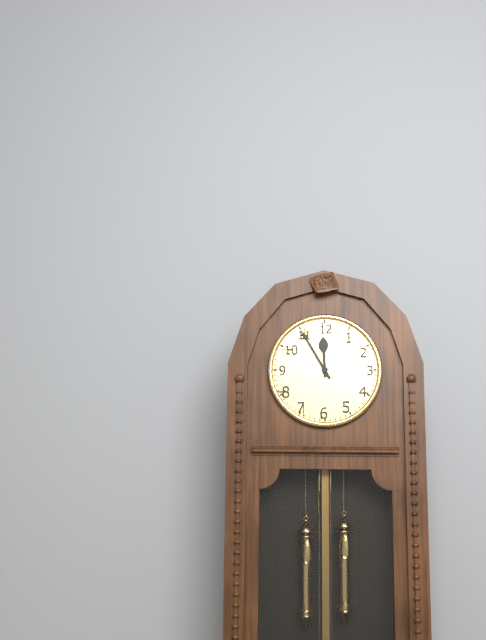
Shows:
11h55
